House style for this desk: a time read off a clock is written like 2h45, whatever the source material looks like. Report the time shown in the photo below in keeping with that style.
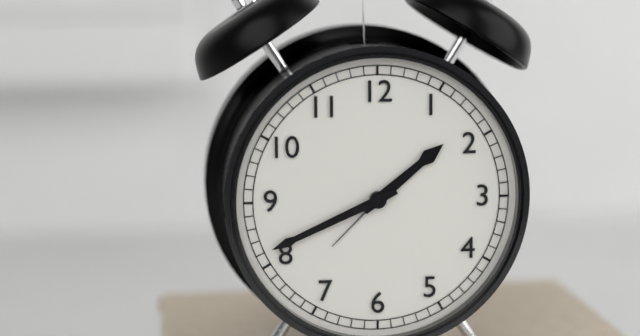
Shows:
1h41
